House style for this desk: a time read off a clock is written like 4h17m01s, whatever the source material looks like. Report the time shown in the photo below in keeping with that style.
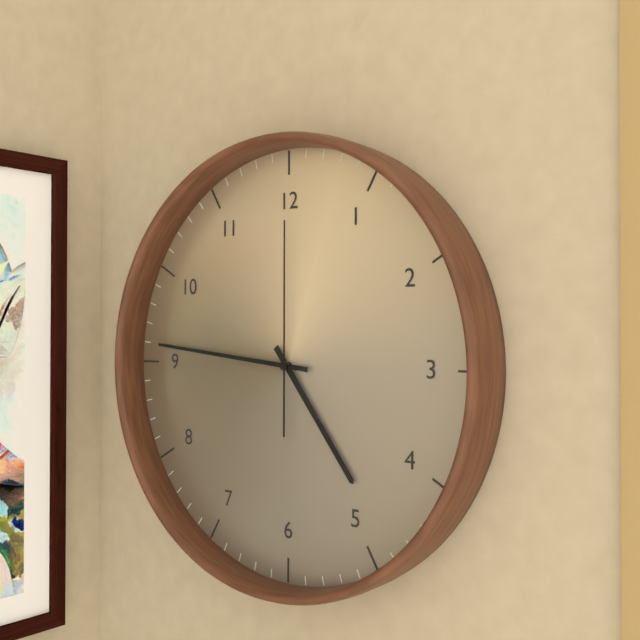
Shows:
4h46m00s
